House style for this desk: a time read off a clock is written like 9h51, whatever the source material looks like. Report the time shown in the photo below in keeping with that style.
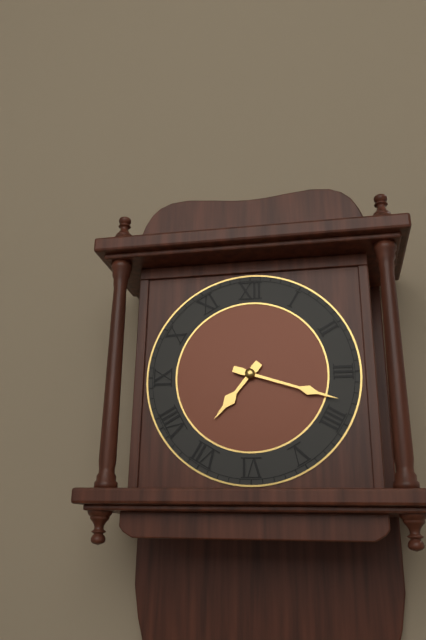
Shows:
7h18
